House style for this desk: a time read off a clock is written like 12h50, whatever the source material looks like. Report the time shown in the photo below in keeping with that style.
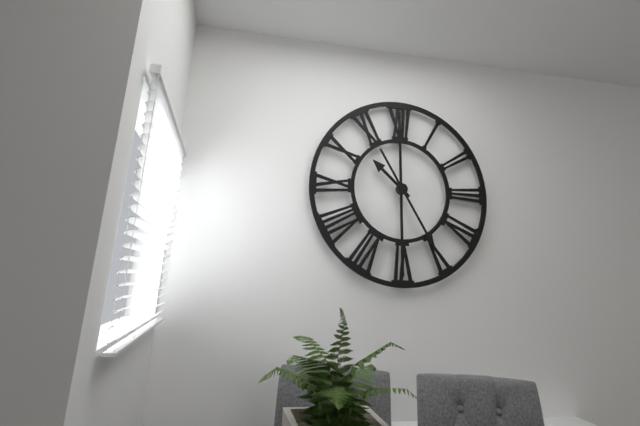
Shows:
10h25
